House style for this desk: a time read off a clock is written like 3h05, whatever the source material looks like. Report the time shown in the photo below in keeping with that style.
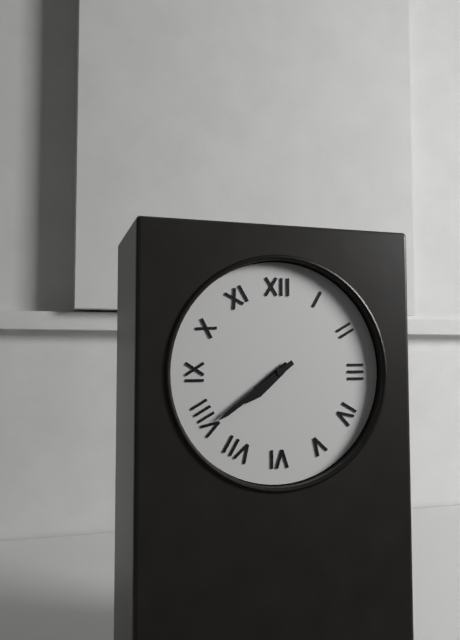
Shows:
7h39
